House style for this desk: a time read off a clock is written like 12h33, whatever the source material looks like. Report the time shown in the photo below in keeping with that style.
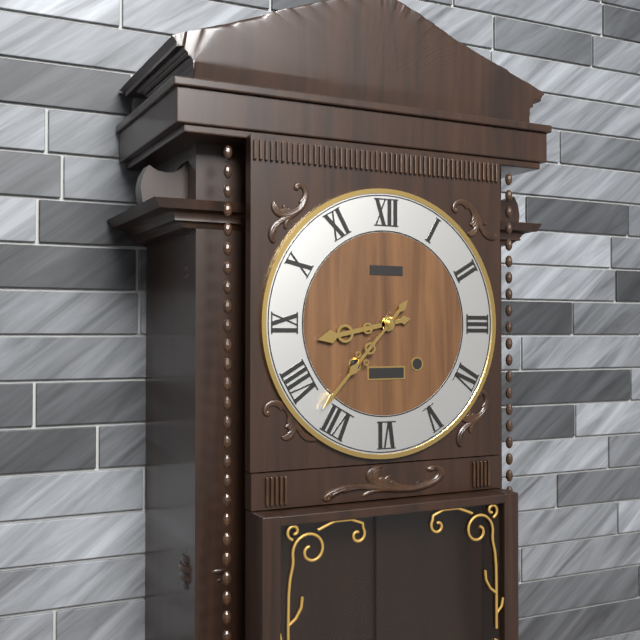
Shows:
8h37
